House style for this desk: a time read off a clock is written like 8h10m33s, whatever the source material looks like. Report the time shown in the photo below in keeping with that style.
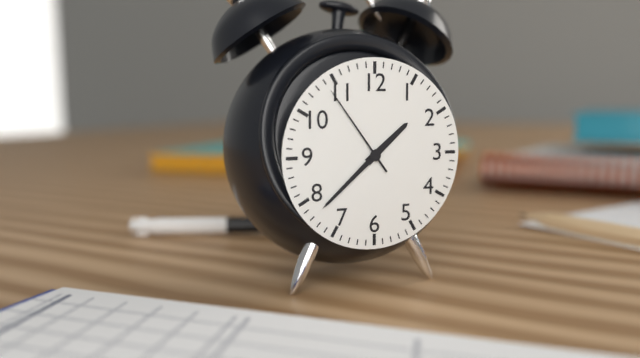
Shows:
1h38m54s
